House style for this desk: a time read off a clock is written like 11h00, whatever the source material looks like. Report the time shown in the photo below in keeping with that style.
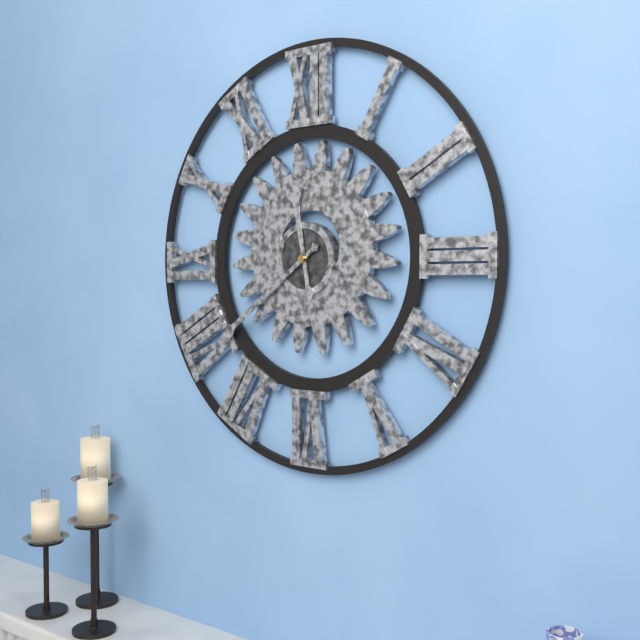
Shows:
11h39
